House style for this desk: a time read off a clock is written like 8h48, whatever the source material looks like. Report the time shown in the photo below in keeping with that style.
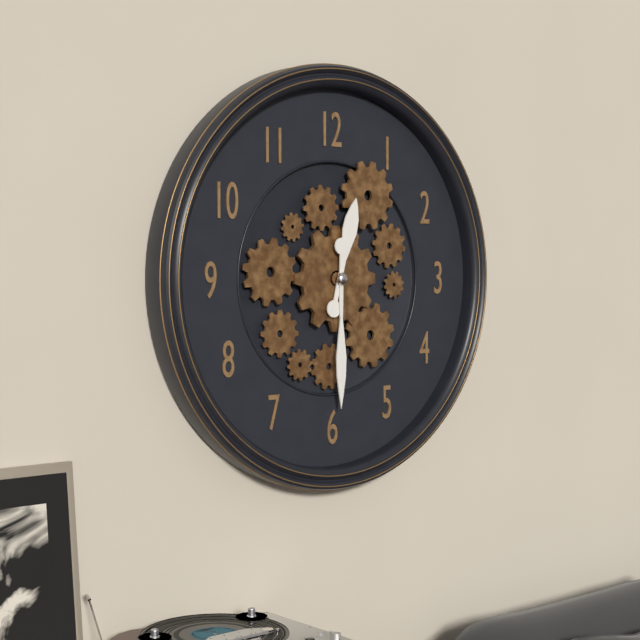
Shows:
12h30
